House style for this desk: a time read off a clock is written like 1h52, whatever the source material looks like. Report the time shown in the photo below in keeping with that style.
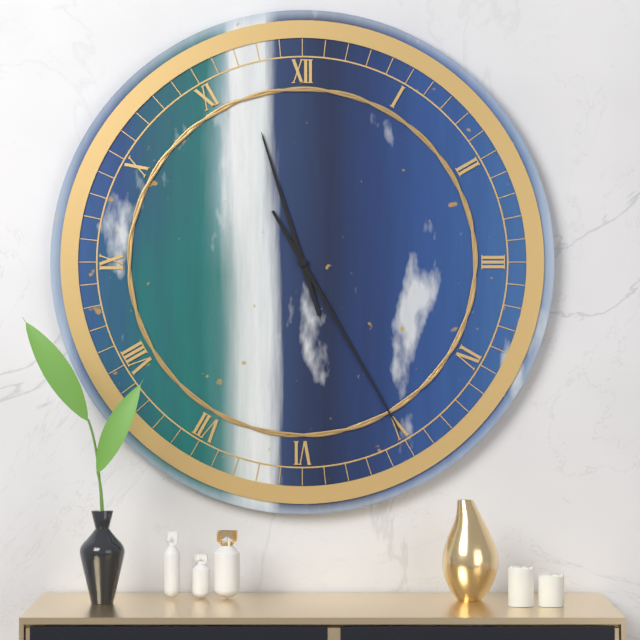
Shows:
11h25
